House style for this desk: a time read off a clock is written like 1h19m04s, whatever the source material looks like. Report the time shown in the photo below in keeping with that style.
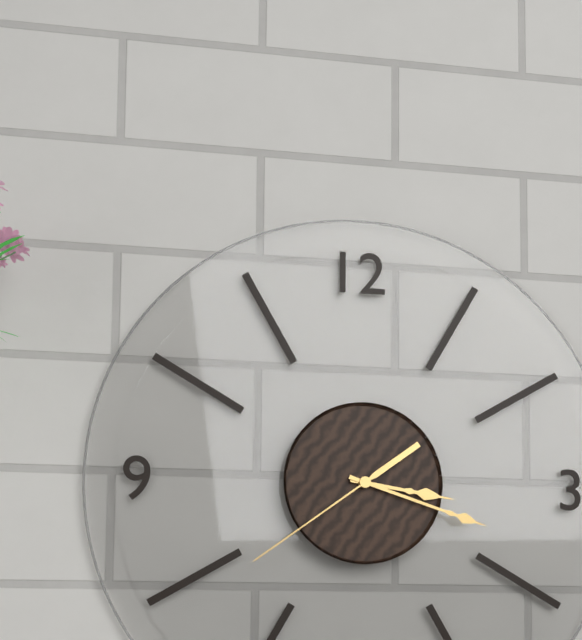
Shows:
3h18m39s
